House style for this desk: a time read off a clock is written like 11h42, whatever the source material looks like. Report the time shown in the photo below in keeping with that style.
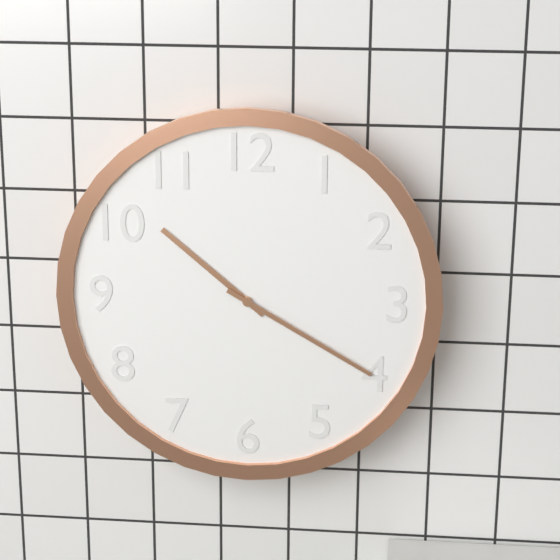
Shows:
10h20
